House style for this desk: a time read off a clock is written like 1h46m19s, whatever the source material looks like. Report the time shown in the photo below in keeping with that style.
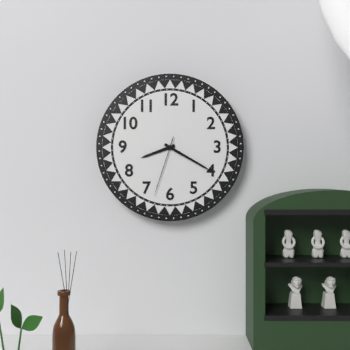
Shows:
8h20m33s
